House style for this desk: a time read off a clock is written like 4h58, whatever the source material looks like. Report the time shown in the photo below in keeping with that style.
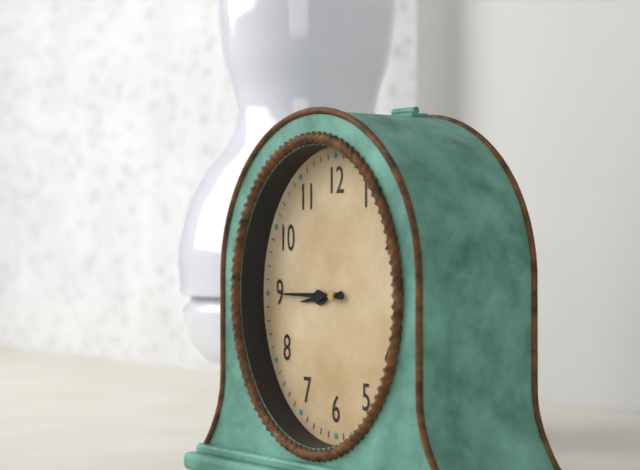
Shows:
8h45
